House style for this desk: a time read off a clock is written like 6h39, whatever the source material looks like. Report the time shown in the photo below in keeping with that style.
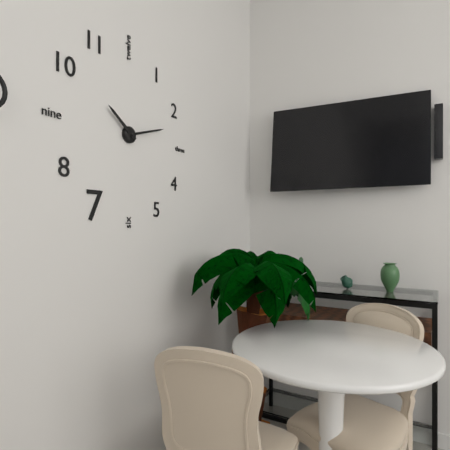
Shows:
10h12
